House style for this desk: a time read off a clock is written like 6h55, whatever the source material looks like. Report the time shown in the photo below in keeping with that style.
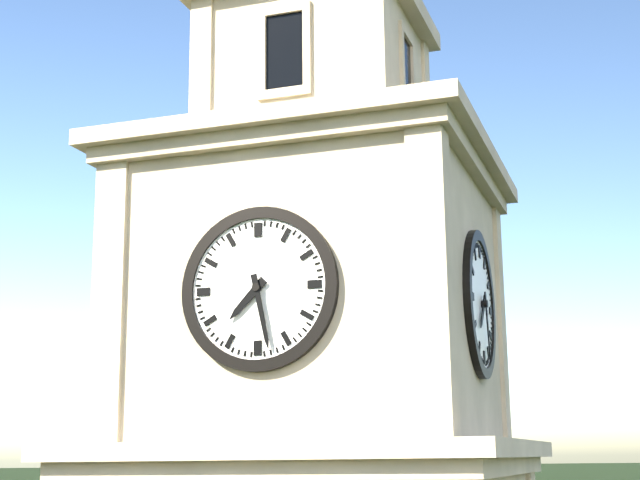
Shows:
7h28
